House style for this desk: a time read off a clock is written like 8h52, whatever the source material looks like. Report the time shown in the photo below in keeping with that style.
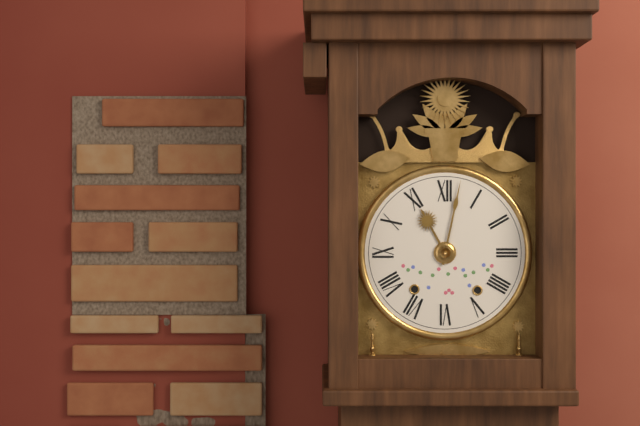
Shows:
11h02
